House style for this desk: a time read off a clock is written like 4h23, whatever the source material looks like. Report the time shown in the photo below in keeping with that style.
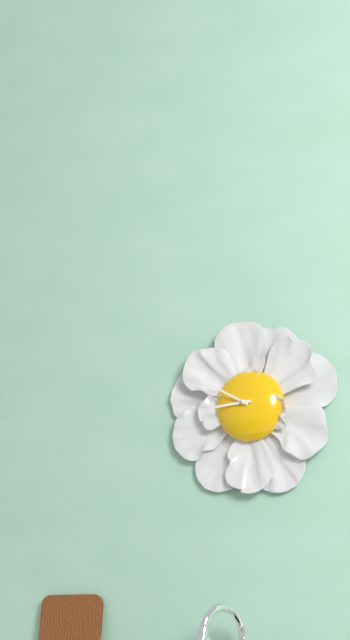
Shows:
8h50
